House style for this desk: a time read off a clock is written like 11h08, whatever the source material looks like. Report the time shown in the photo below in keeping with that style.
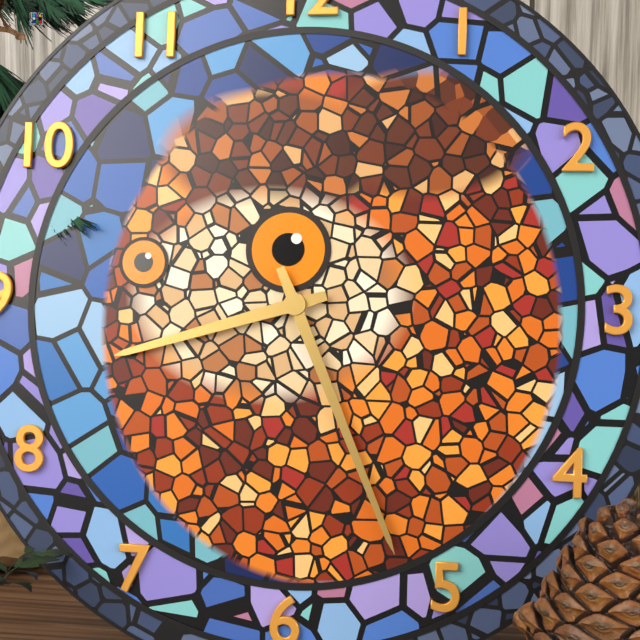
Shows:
8h26
